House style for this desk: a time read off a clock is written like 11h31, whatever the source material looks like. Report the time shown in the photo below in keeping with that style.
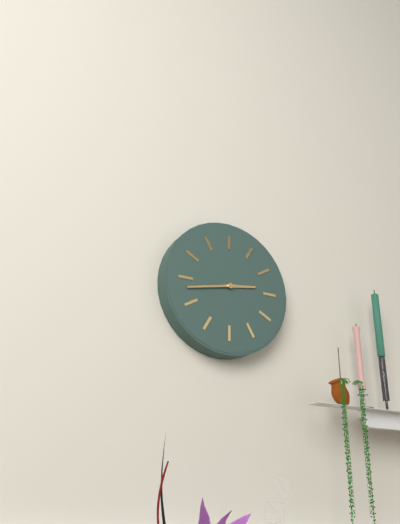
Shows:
2h43
